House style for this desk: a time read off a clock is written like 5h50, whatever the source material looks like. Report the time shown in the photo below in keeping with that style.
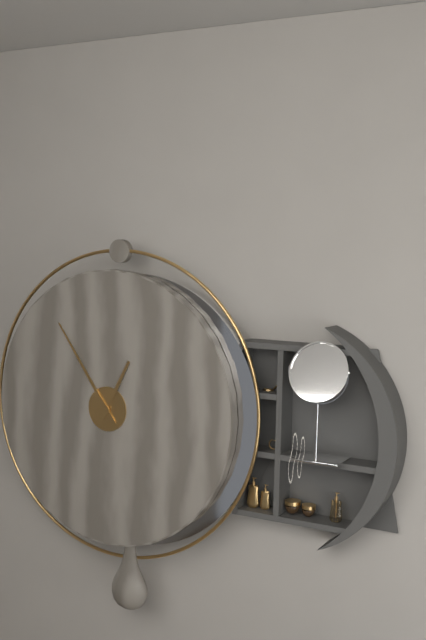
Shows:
12h54
